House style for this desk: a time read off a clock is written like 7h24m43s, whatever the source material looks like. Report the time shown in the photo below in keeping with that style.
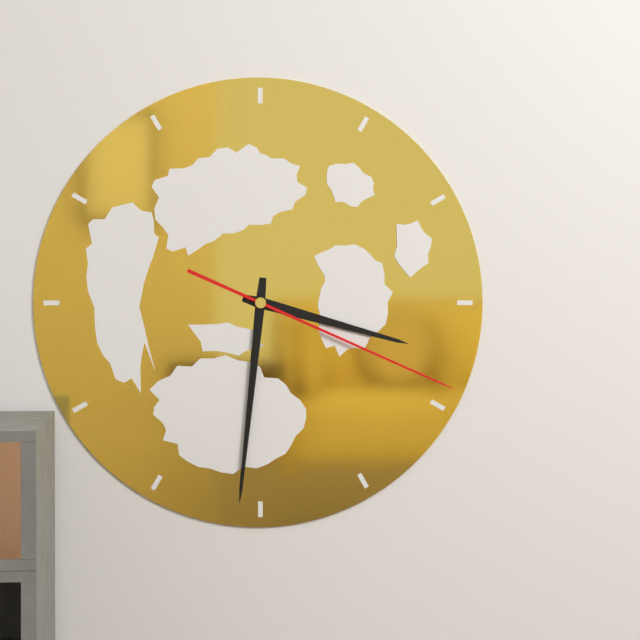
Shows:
3h31m19s
